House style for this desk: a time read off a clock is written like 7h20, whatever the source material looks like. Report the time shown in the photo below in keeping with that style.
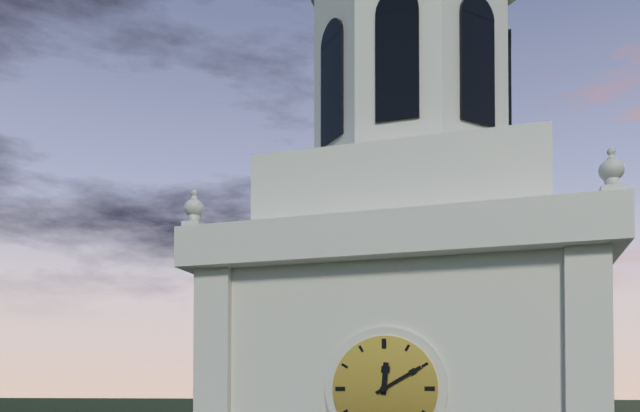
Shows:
12h10
